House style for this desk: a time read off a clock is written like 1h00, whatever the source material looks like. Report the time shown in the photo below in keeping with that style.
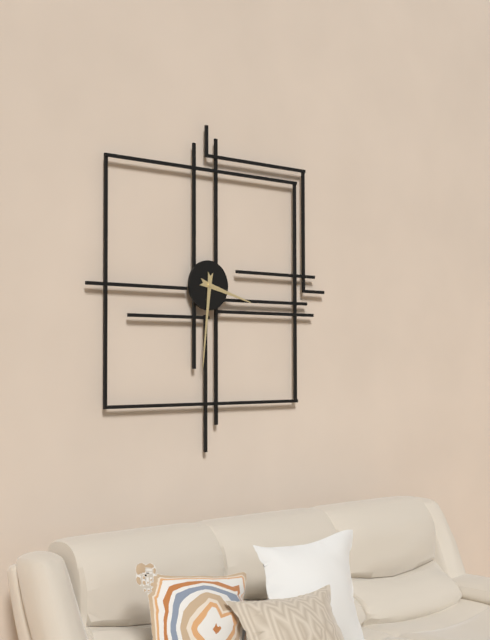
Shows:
3h31
